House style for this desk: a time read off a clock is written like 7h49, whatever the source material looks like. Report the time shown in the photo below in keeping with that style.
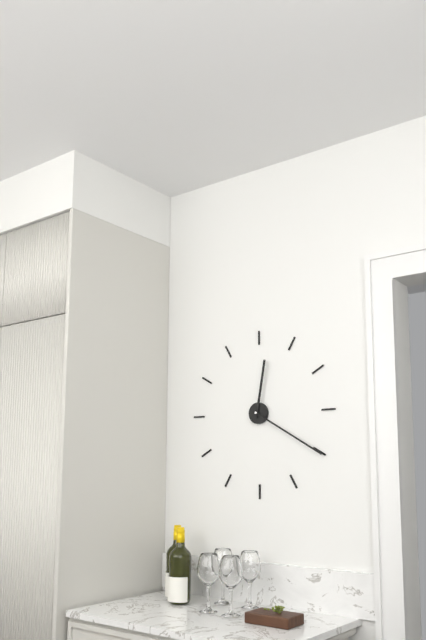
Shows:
12h20
